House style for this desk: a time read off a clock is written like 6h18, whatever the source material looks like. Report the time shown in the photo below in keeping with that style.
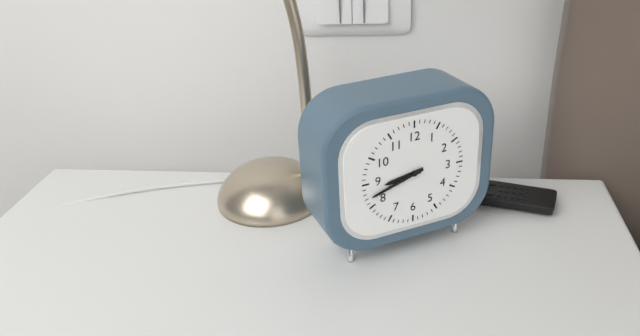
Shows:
8h42
